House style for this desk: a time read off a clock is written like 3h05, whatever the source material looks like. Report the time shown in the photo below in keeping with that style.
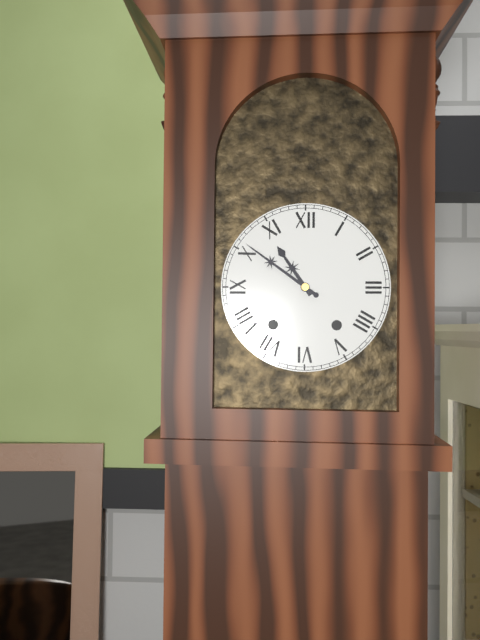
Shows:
10h51
